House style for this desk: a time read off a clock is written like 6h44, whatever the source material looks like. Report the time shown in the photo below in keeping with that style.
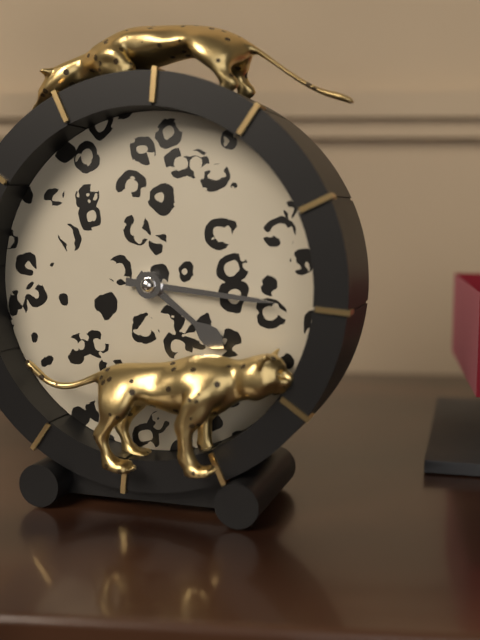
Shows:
4h16
